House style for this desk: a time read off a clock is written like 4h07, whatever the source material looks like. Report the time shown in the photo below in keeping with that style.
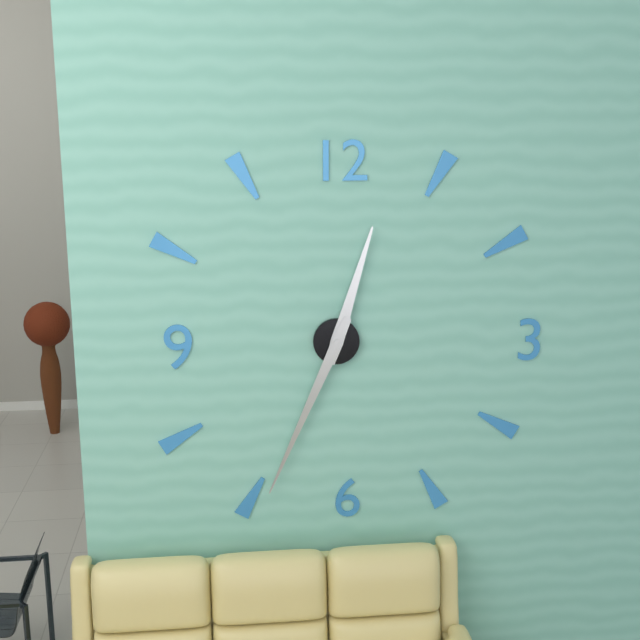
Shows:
12h34
